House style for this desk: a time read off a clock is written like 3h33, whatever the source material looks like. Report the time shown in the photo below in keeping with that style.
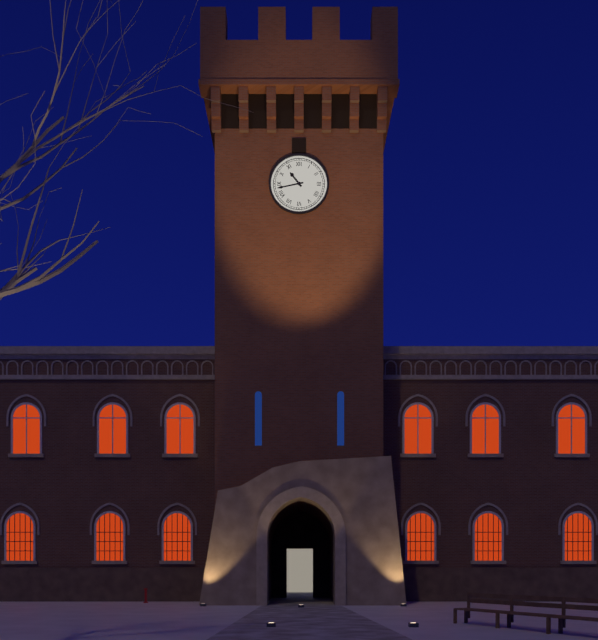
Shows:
10h43
